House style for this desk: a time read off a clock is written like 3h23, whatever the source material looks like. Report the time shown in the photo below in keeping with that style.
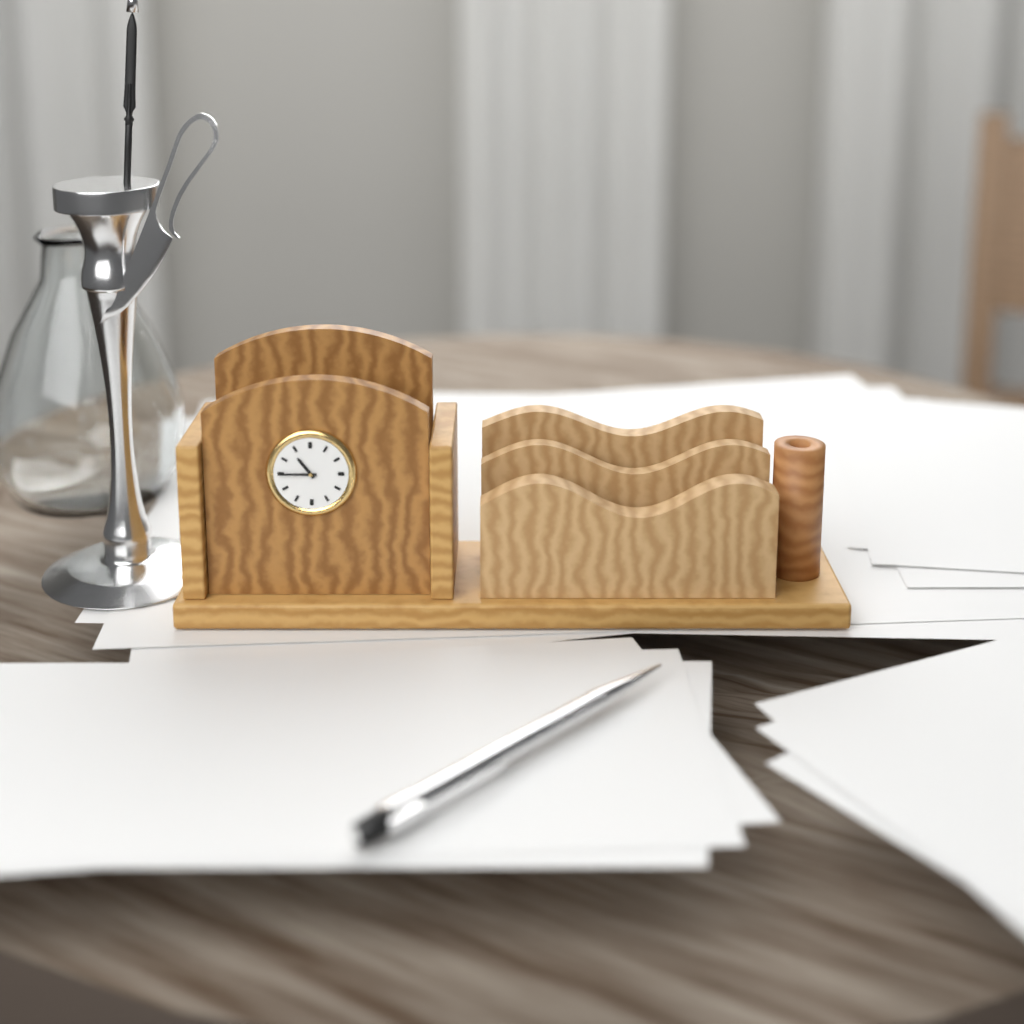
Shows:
10h45
